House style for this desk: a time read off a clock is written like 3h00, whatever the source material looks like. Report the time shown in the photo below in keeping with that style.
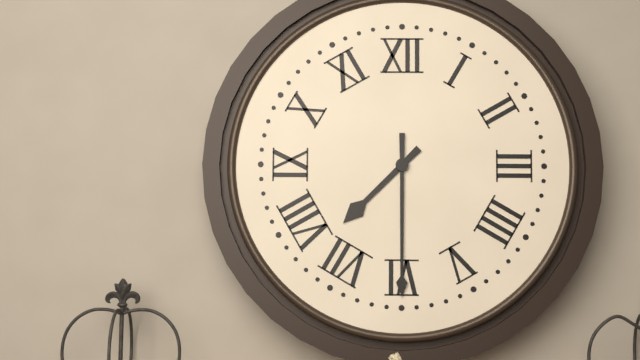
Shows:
7h30
